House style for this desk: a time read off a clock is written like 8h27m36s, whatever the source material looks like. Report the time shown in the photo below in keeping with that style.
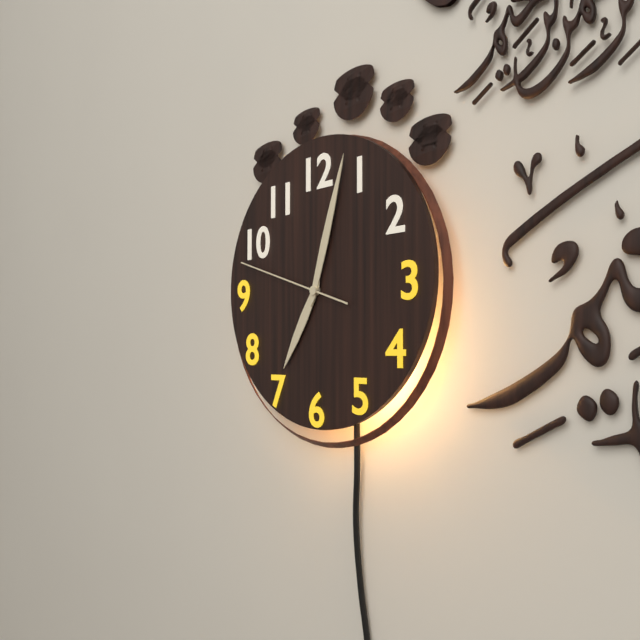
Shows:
7h03m48s
